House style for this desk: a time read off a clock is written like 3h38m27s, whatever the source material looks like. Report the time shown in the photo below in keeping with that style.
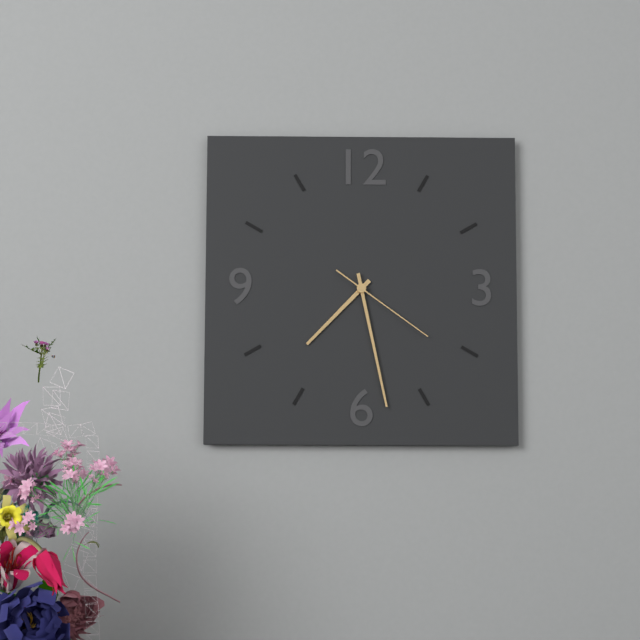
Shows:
7h28m21s
